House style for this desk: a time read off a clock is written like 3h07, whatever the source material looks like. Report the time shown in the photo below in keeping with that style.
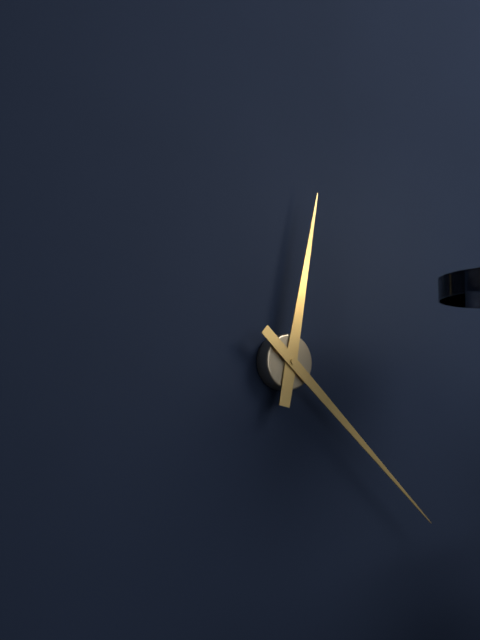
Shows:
12h22
